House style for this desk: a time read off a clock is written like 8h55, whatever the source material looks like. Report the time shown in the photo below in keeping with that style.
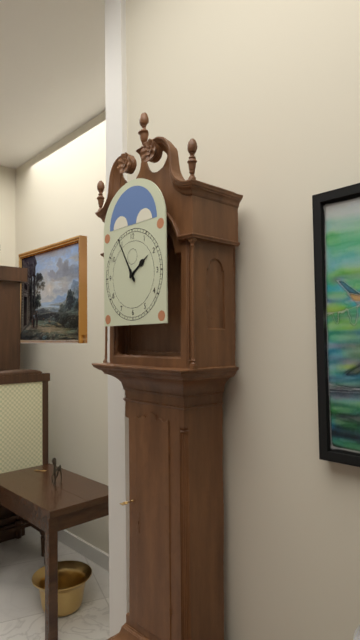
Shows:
1h55
